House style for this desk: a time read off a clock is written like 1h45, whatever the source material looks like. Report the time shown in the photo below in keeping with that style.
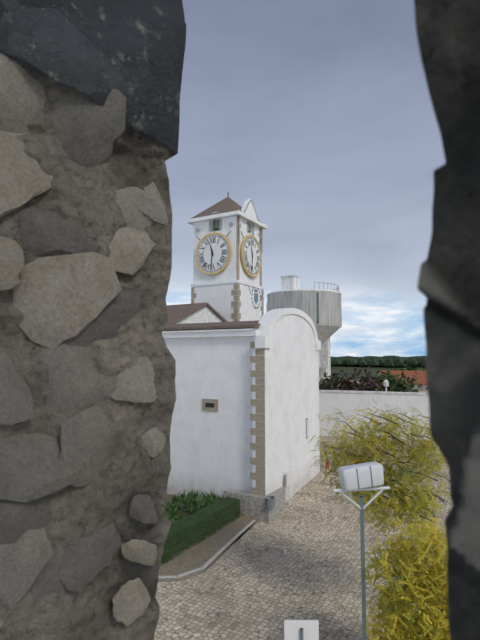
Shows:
11h31
